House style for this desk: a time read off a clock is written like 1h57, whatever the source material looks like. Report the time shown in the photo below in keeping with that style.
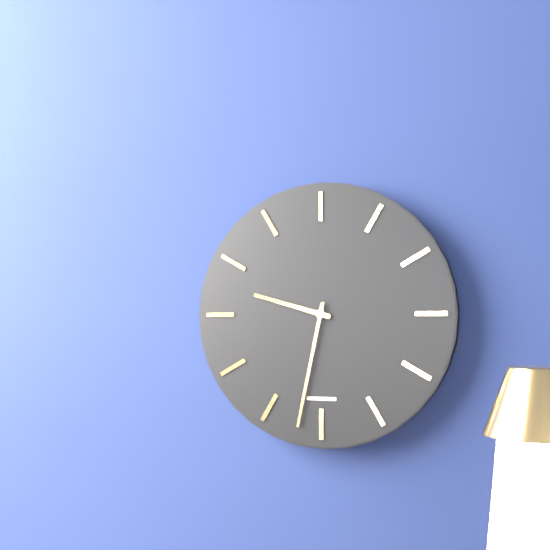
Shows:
9h32
